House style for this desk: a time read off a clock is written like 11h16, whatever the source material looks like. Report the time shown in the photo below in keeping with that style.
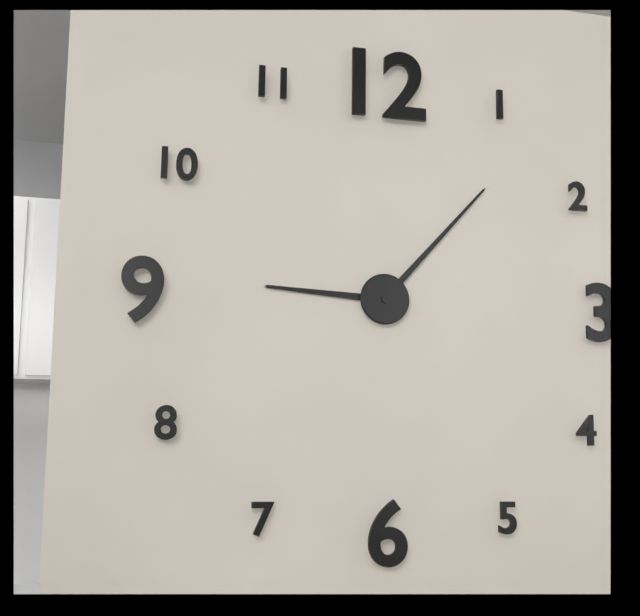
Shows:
9h07
